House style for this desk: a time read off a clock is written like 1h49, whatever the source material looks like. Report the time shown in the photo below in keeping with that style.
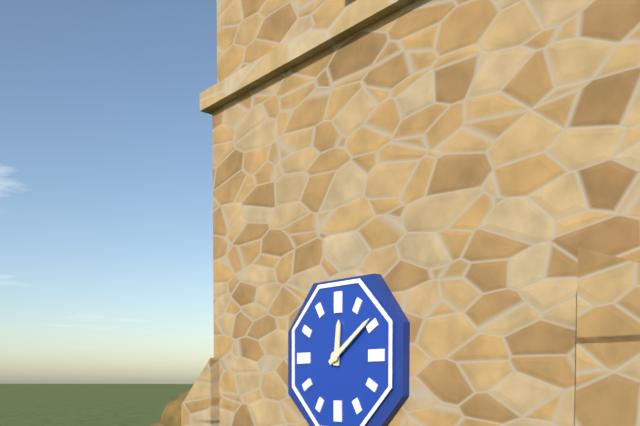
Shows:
12h09
